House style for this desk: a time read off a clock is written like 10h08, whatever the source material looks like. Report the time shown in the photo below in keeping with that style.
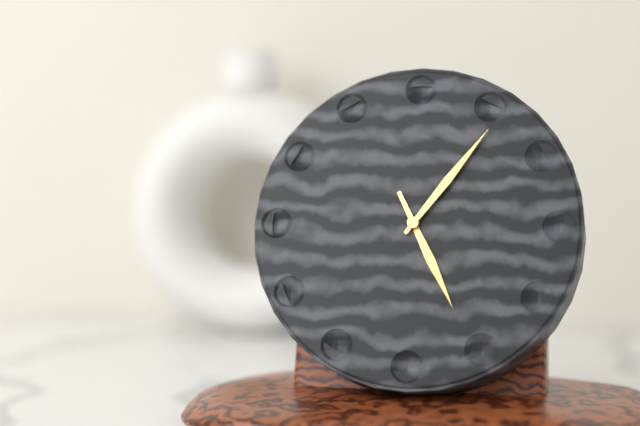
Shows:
5h06
